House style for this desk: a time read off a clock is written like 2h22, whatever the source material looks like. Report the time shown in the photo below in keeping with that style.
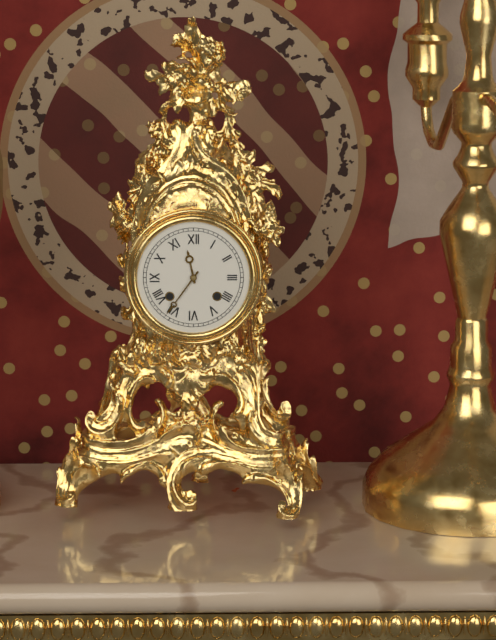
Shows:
11h36
